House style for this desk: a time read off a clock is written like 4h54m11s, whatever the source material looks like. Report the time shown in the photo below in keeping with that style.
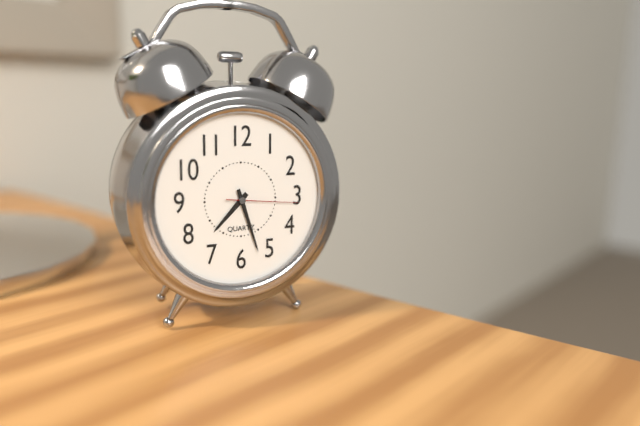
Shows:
7h27m16s
